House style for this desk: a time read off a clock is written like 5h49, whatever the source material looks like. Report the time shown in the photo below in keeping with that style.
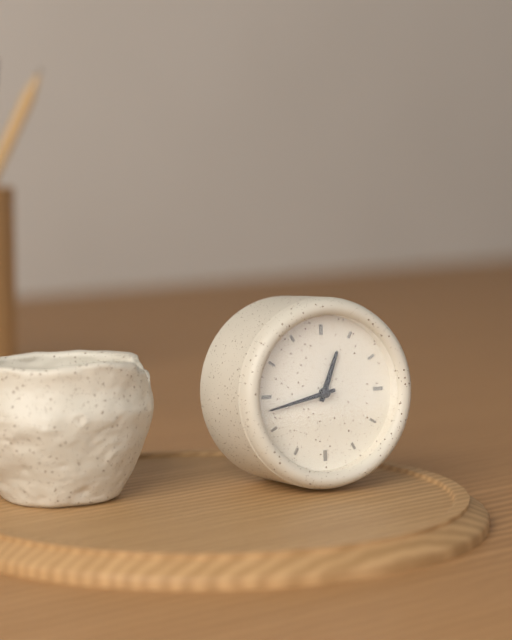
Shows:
12h43
